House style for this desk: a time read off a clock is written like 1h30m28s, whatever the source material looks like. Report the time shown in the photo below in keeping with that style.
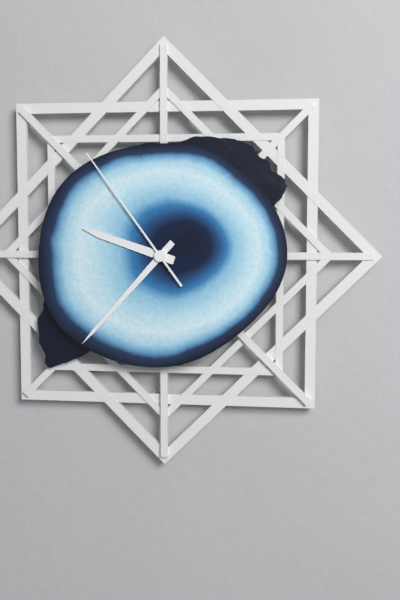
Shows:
9h37m54s
